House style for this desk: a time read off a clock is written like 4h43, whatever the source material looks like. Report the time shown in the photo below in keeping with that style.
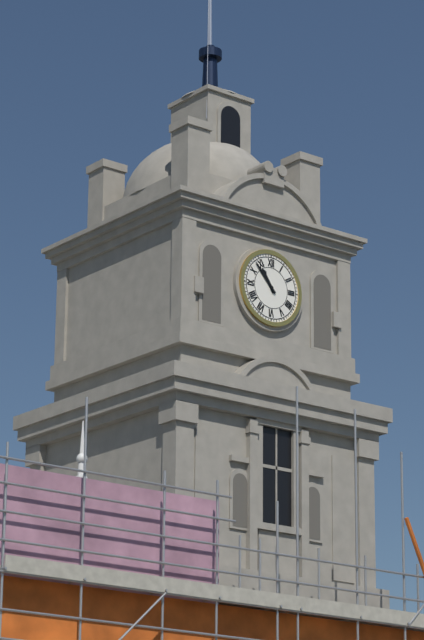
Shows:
10h53
